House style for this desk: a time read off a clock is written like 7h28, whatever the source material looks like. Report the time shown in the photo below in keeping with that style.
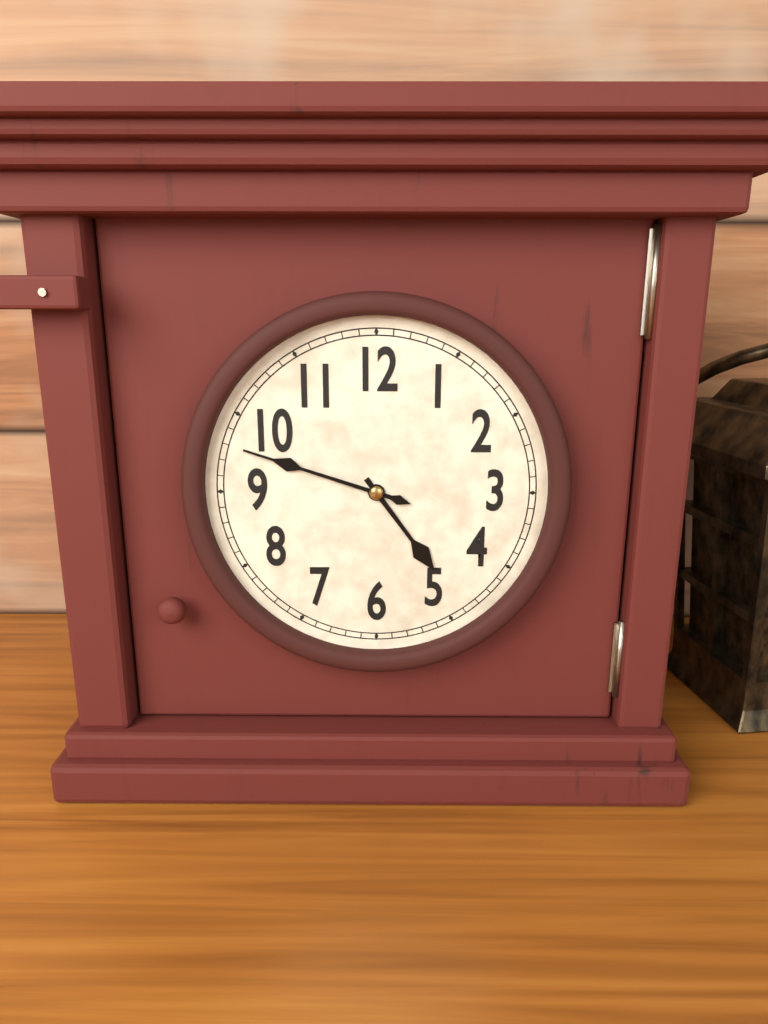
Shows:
4h48
